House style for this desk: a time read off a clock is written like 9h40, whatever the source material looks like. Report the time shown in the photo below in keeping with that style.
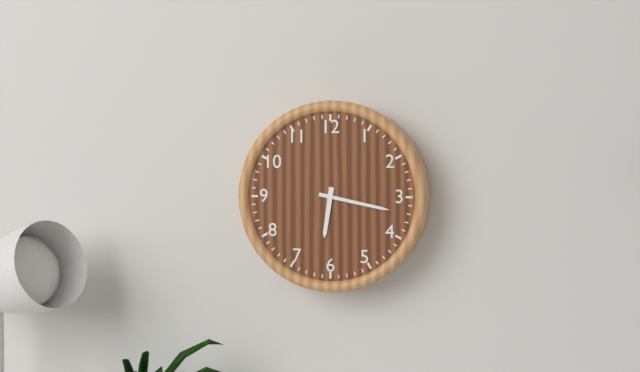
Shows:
6h17
